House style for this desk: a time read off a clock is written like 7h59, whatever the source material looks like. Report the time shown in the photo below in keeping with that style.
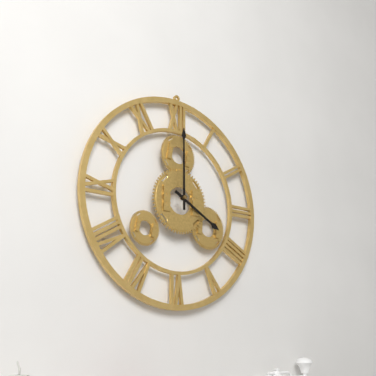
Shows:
4h00
